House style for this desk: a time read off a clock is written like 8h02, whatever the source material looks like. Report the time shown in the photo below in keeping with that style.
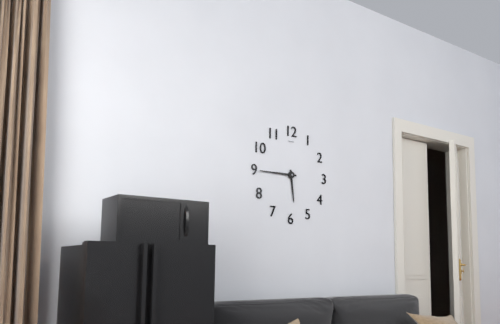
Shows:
5h45
